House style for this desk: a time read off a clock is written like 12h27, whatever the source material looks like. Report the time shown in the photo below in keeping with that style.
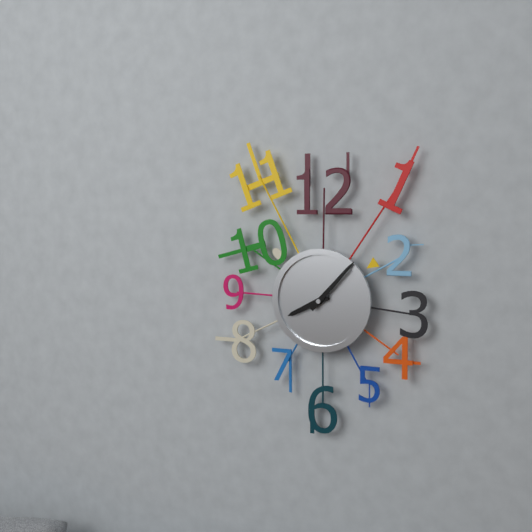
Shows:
8h07
